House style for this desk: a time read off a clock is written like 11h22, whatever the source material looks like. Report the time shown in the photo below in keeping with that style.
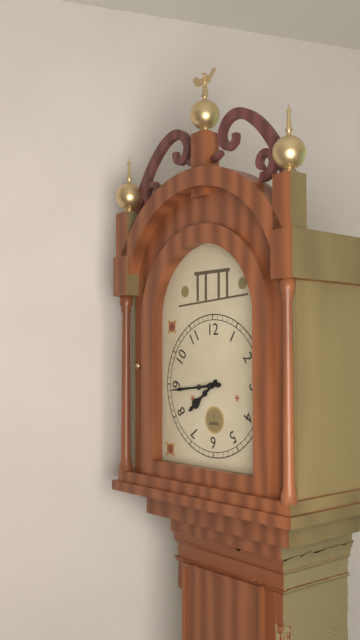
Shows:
7h44
